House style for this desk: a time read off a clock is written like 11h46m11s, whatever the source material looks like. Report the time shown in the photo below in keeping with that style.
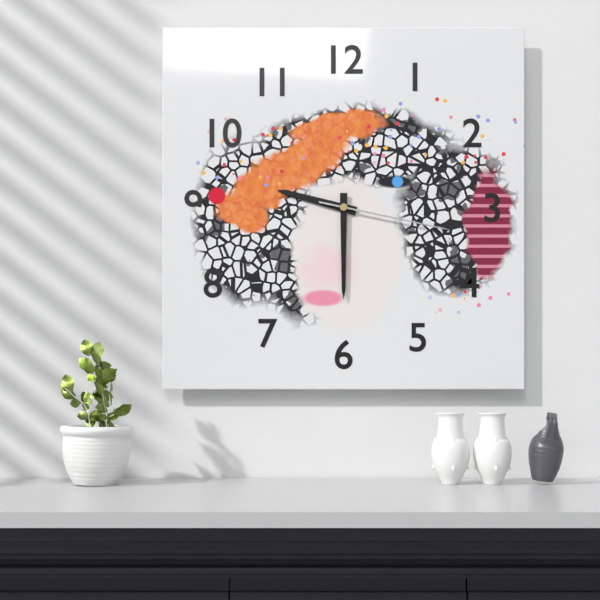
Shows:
9h30m17s
